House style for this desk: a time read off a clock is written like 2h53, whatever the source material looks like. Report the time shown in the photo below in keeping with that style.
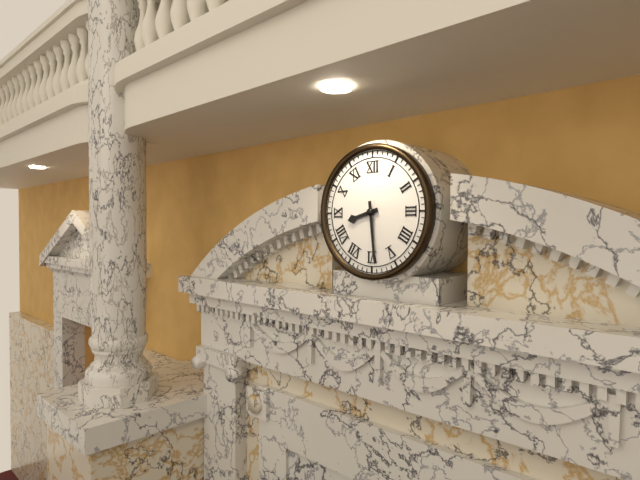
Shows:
8h29
